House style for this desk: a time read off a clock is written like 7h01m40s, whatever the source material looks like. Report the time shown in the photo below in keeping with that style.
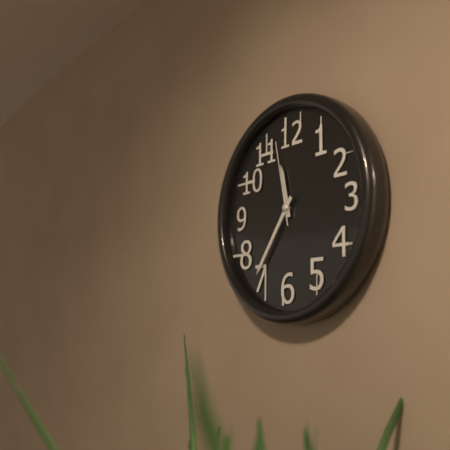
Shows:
11h36m58s
